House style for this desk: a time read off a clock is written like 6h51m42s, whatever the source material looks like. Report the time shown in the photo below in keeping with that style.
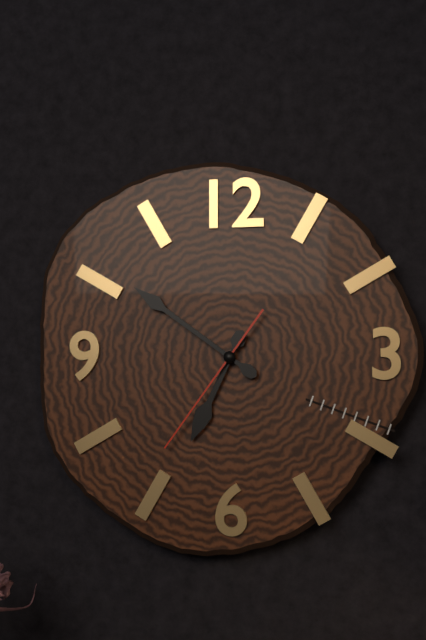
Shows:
6h51m36s
